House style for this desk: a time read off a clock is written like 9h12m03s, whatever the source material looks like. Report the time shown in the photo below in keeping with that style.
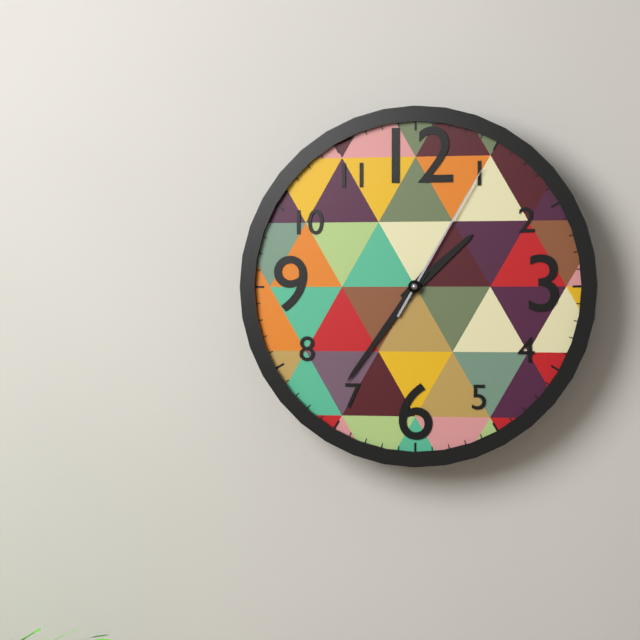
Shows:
1h36m05s
